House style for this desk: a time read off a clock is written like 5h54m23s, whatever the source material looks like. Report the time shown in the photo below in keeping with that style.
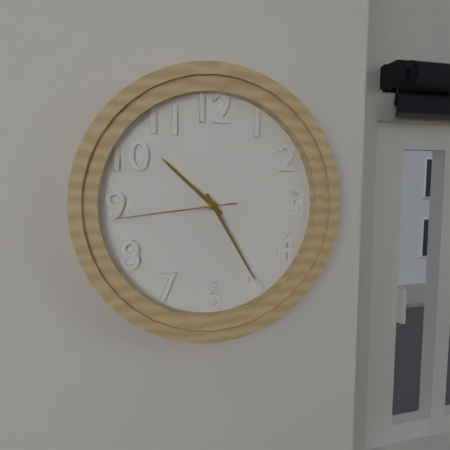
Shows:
10h25m44s
